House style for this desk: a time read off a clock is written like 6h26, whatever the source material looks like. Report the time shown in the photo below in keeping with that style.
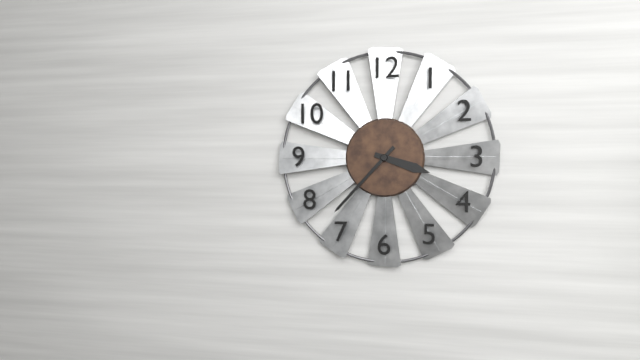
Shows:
3h37
